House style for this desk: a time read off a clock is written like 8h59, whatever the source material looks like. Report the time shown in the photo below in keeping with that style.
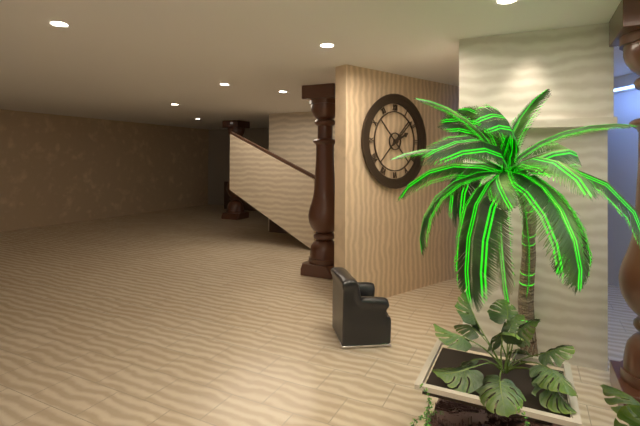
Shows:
2h08
